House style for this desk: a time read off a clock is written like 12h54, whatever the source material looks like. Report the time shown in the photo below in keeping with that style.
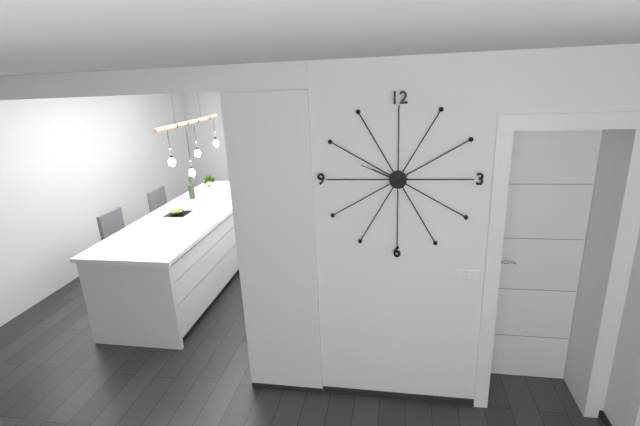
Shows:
9h49
